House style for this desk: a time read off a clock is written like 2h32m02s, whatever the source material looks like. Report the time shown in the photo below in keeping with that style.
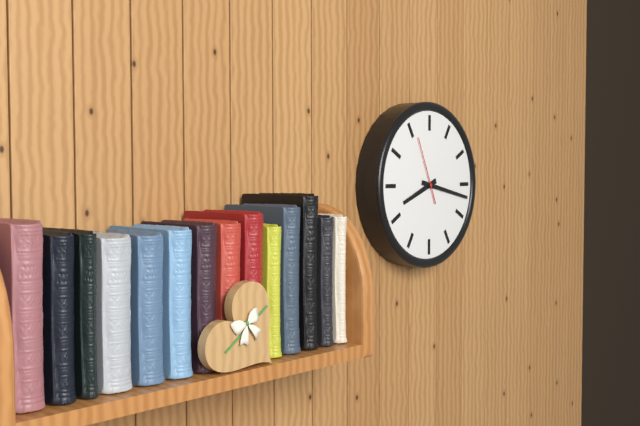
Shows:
8h17m56s
